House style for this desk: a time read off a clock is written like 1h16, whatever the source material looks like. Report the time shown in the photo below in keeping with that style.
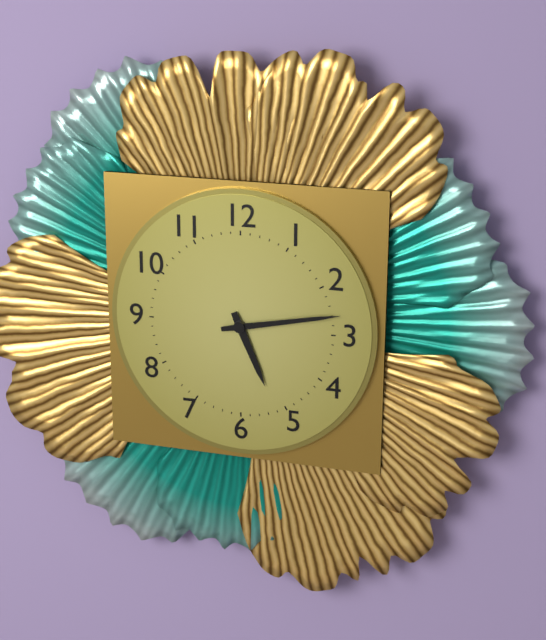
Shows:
5h13
